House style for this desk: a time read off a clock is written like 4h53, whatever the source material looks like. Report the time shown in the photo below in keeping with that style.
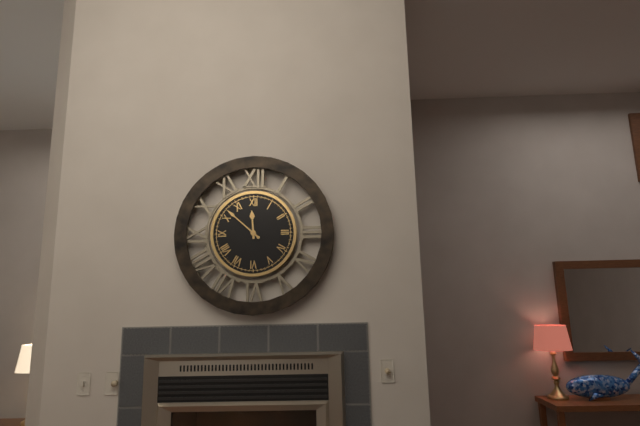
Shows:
11h52
